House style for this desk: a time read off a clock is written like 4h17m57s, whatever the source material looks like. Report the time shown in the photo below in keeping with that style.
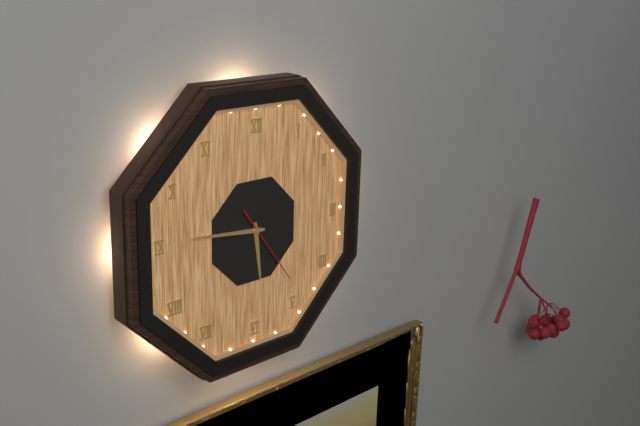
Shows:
5h46m24s
